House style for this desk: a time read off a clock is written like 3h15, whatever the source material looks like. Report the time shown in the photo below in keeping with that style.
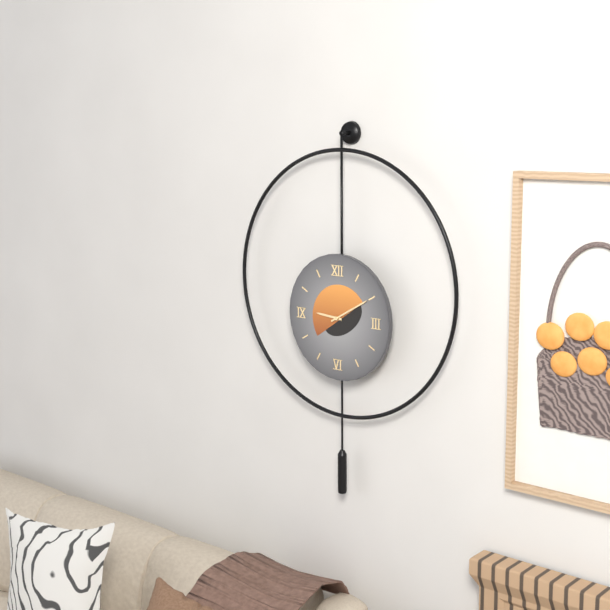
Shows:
9h10
